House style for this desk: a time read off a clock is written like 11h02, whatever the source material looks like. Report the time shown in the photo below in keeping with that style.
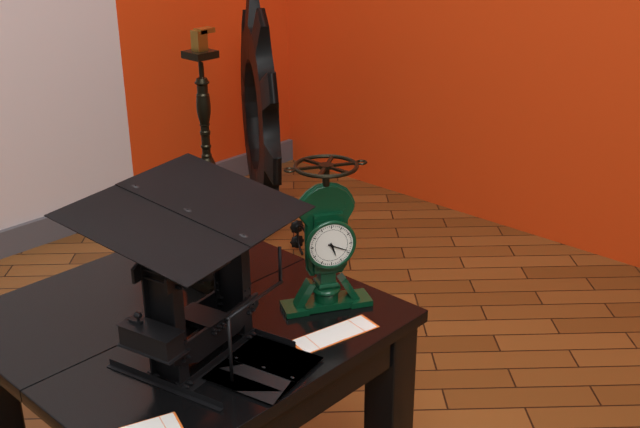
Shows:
5h19
